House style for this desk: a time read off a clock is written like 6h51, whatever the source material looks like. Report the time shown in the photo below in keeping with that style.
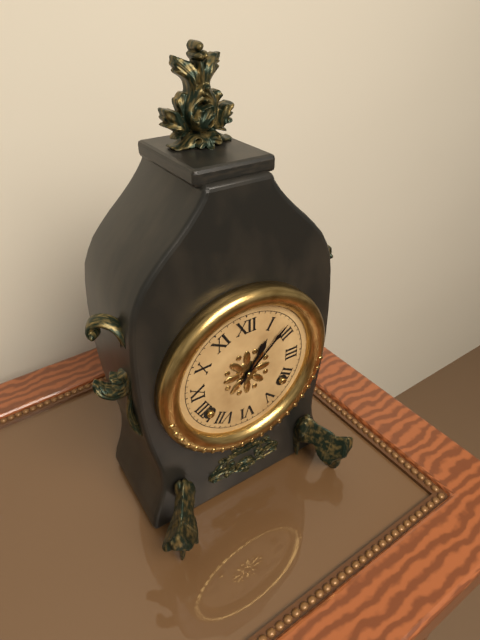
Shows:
1h08
